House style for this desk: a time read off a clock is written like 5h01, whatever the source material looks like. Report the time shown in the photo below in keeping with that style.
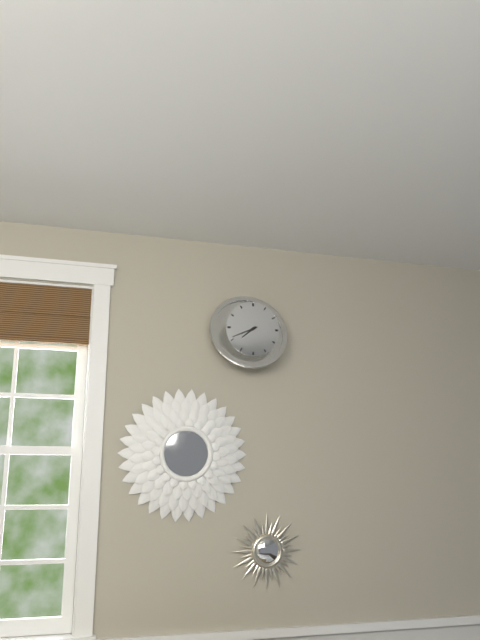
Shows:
7h41
